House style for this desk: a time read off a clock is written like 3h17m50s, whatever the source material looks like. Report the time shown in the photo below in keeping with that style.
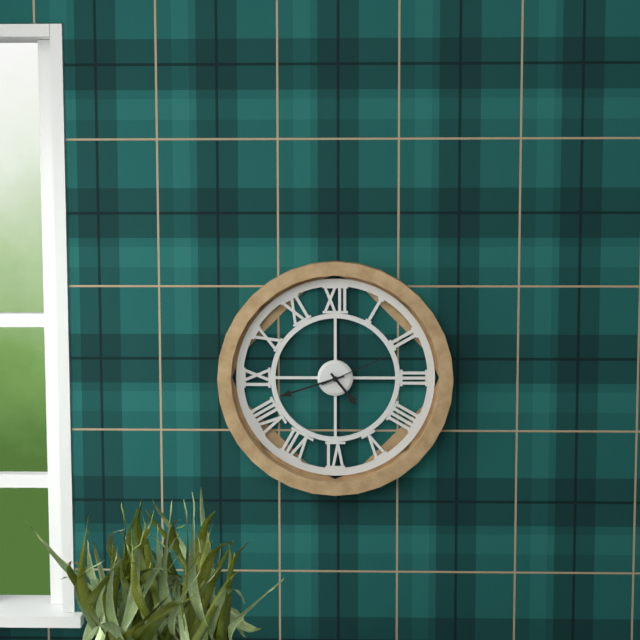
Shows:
4h42m11s
